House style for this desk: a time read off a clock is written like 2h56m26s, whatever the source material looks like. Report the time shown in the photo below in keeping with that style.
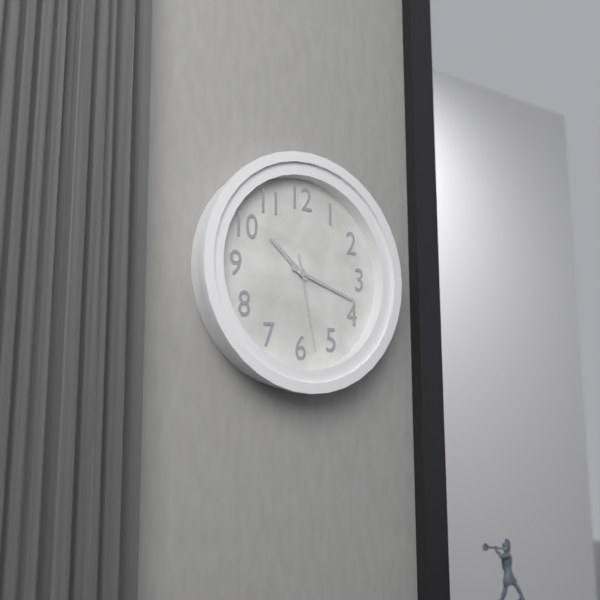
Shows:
10h18m28s
